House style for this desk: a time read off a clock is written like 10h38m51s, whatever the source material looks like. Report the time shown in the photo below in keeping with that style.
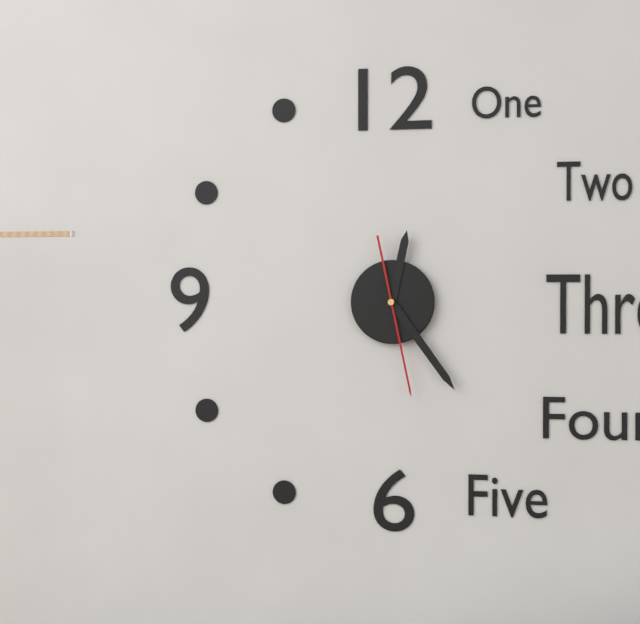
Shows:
12h24m28s
